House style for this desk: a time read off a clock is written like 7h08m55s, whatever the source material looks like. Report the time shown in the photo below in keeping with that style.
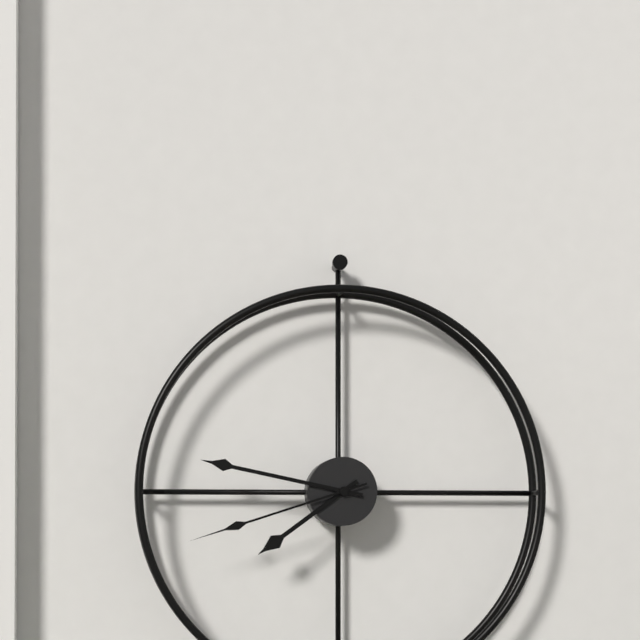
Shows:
7h47m42s
